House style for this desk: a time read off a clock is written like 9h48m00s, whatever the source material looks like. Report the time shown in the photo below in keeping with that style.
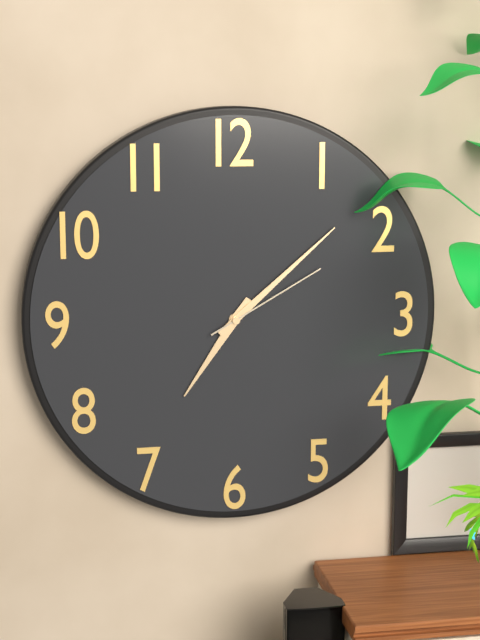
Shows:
7h08m10s
